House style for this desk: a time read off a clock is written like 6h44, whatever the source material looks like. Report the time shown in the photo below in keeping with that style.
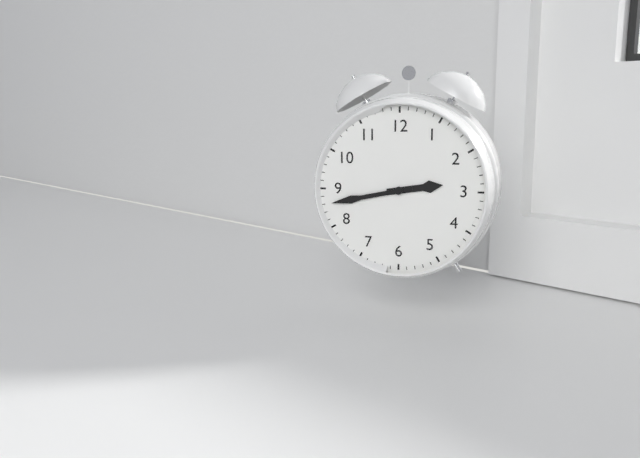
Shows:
2h43
